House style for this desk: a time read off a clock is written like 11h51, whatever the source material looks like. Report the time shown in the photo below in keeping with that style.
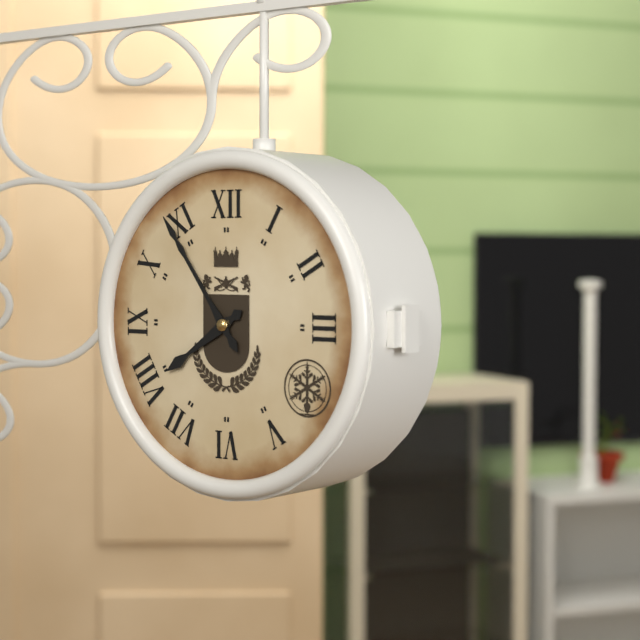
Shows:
7h54
